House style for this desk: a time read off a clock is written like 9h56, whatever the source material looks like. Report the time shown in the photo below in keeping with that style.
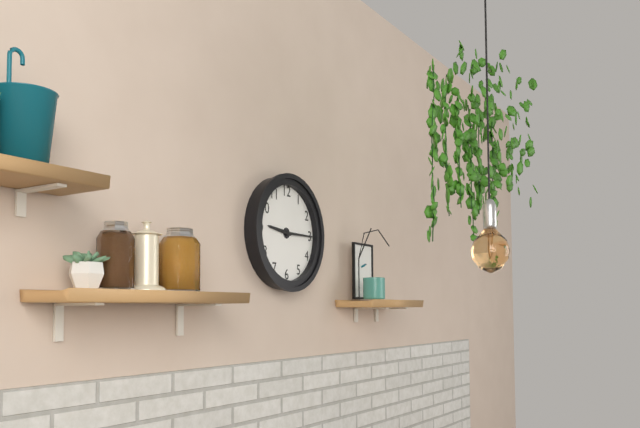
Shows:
9h15
